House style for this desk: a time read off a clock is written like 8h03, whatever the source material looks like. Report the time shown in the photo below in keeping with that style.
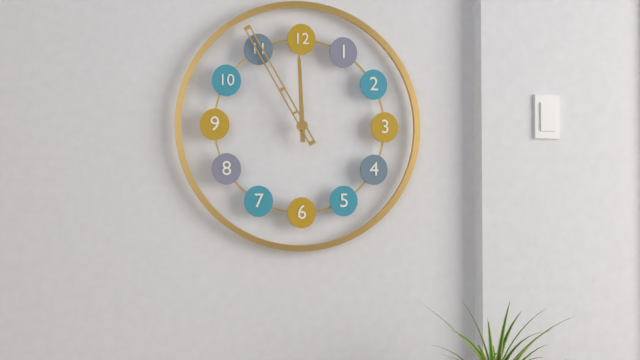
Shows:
11h55
